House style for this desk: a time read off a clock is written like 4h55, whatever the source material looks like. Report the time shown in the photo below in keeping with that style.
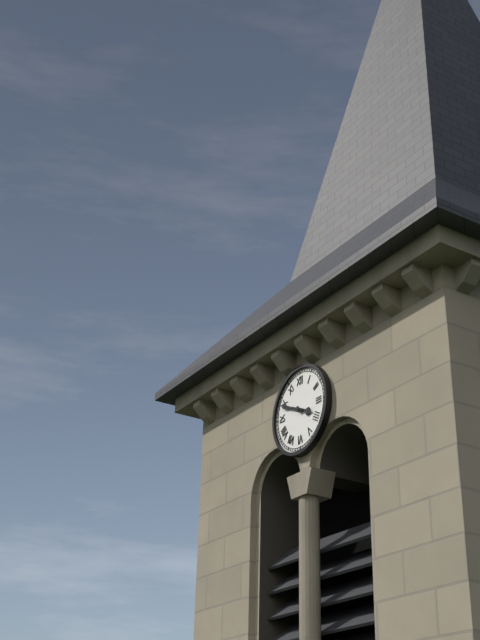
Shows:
3h49
